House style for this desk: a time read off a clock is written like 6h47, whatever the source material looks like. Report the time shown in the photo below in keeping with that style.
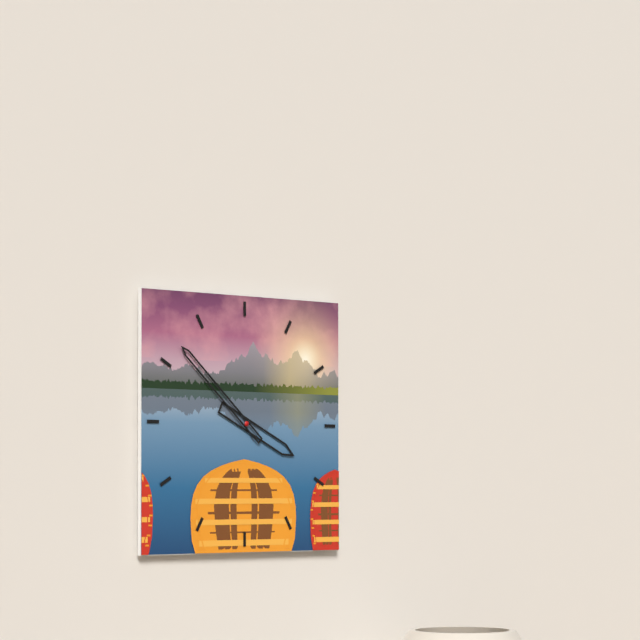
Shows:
3h52
